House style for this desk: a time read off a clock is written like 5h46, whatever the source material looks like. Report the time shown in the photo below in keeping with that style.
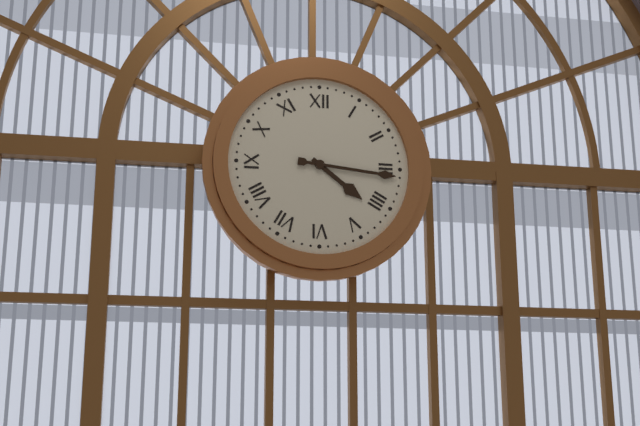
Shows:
4h16
